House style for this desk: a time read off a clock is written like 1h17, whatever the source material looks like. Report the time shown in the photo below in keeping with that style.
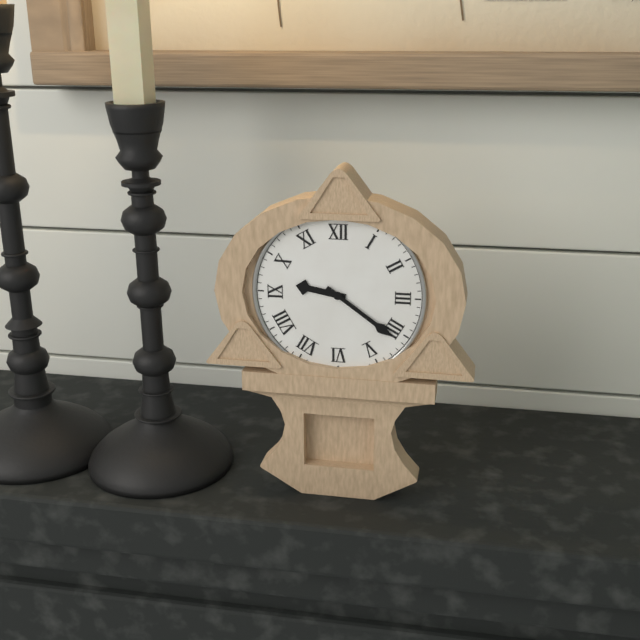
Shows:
9h21
